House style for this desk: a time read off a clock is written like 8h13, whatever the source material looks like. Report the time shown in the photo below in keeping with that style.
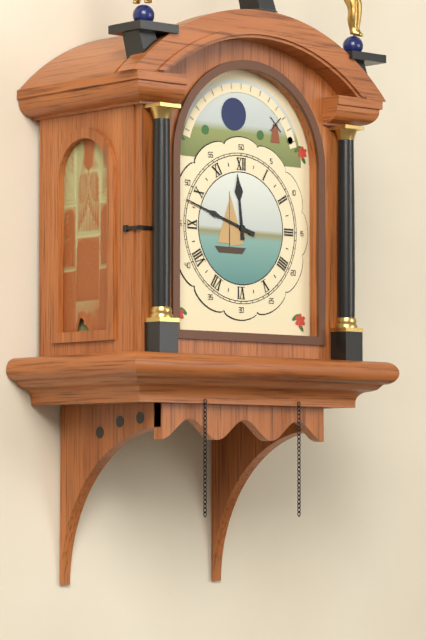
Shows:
11h48
